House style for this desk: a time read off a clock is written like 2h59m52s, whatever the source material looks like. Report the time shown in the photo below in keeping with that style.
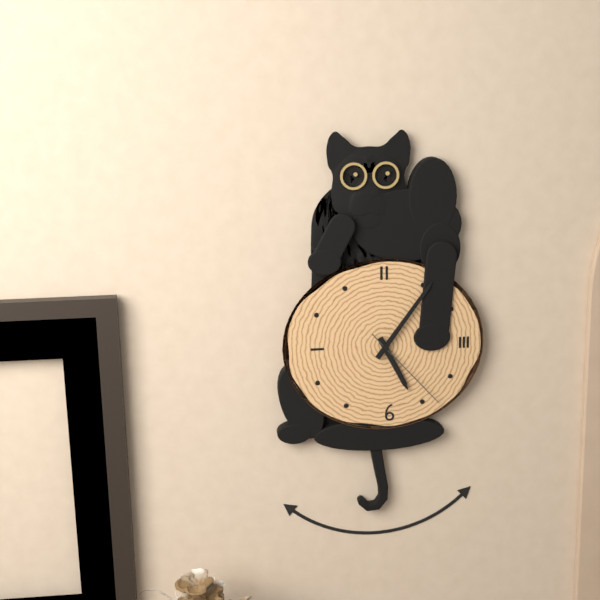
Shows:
5h06m23s
